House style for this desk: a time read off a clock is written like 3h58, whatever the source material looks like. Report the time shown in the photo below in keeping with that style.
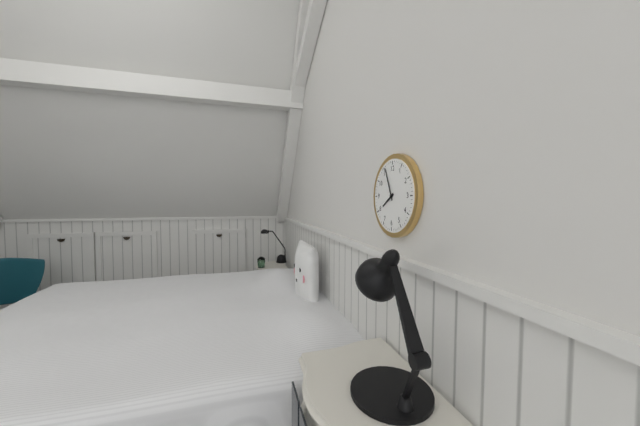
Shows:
7h56
